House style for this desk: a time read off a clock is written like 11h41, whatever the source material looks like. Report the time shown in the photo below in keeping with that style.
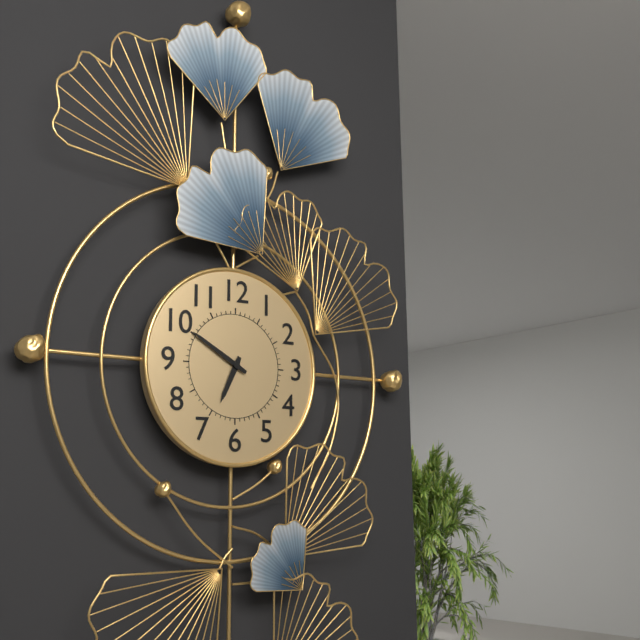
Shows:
6h50
